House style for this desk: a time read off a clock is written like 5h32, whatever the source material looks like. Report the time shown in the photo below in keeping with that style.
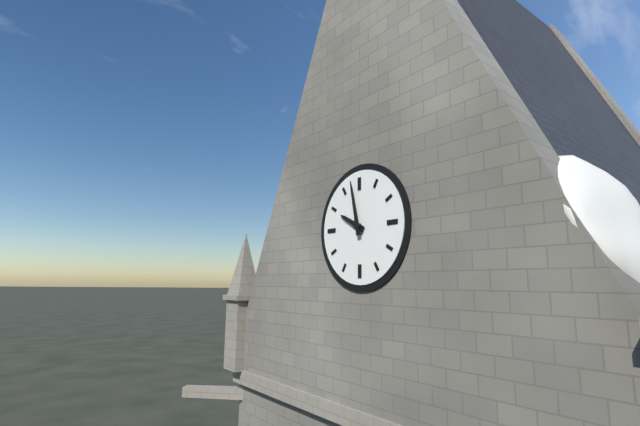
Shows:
9h58
